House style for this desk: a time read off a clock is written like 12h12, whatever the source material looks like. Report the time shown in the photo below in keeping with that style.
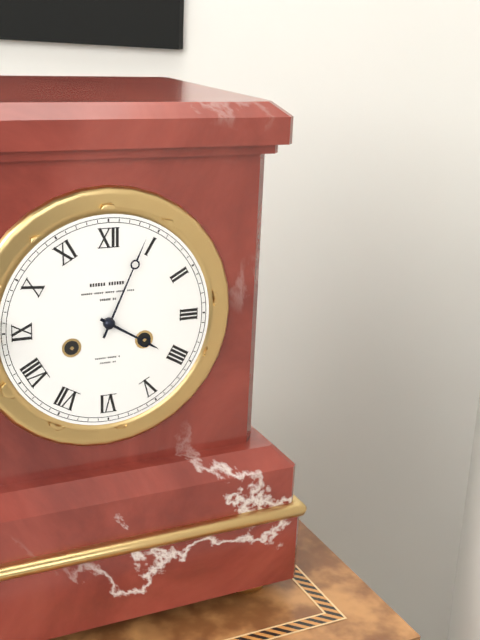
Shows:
4h04
